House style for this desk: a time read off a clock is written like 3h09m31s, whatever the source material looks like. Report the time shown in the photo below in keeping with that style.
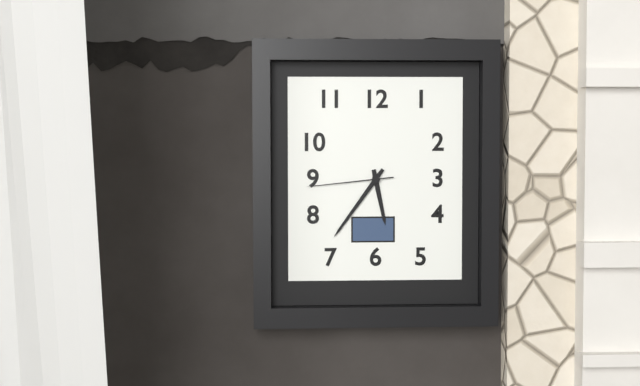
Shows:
5h36m44s
